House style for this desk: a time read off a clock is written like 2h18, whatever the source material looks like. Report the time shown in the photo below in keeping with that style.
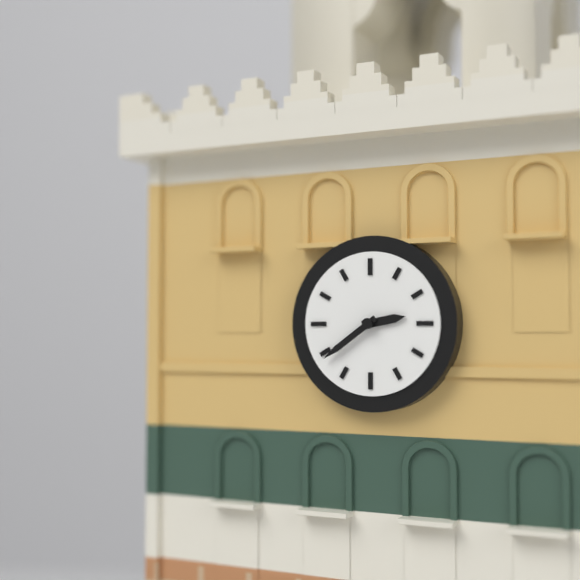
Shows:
2h39
